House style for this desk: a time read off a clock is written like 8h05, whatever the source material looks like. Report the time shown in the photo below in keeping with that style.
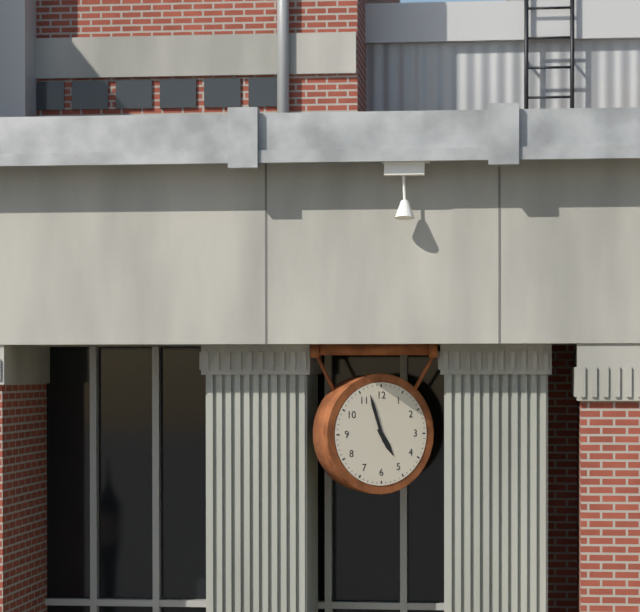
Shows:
4h57
